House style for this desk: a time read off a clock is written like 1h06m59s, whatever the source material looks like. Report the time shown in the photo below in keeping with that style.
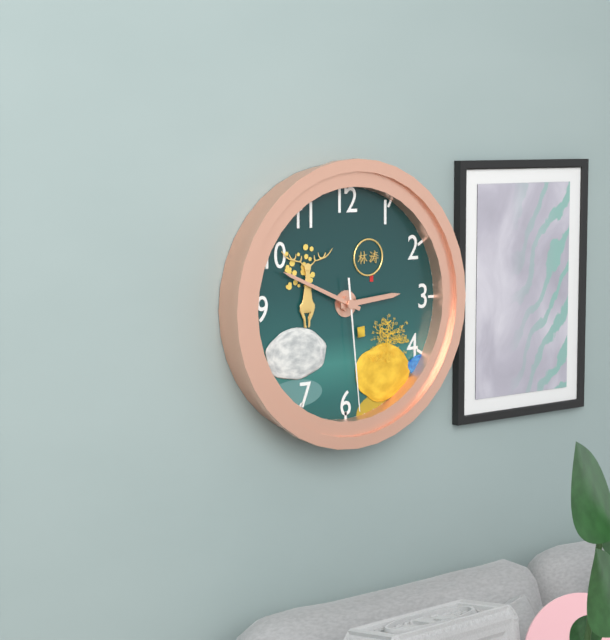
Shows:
2h49m29s
